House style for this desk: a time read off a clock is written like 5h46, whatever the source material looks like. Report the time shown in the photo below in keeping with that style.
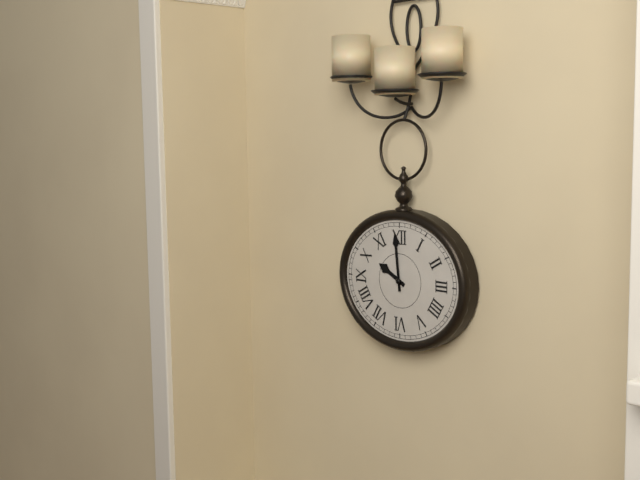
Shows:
9h59
